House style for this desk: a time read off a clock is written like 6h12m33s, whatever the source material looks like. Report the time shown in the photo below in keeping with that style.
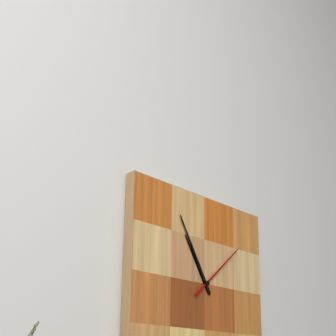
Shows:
10h55m08s
